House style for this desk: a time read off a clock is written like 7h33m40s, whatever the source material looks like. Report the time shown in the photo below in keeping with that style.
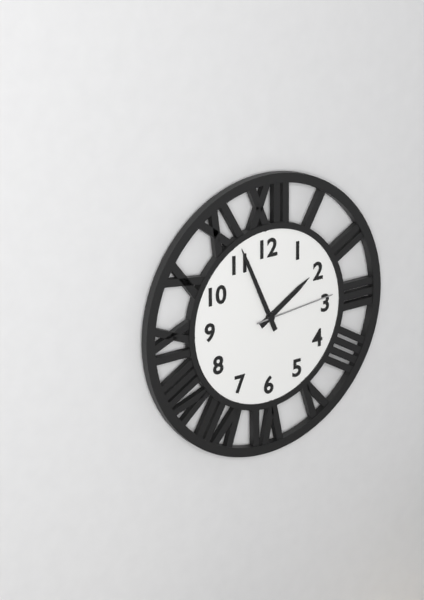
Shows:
1h56m14s
